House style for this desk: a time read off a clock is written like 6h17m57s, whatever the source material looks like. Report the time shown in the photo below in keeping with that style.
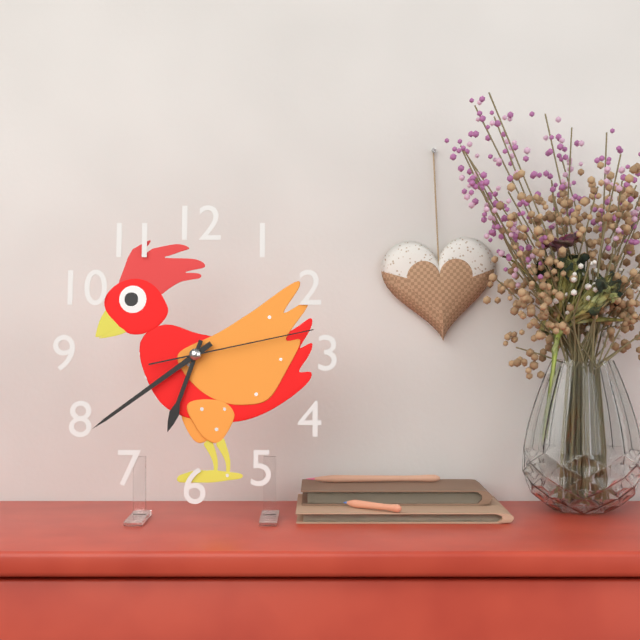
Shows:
6h39m13s
